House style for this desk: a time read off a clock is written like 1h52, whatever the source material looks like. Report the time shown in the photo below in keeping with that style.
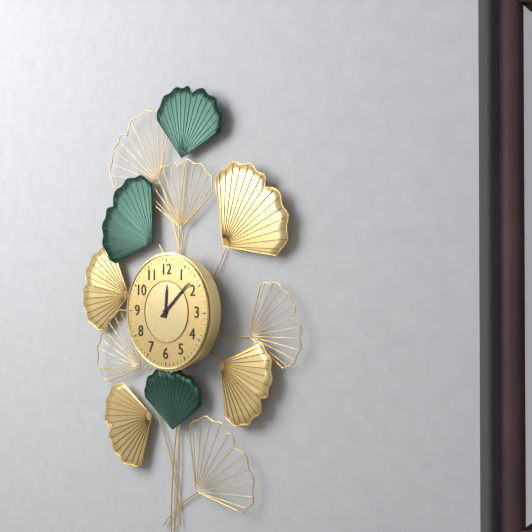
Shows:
12h08
